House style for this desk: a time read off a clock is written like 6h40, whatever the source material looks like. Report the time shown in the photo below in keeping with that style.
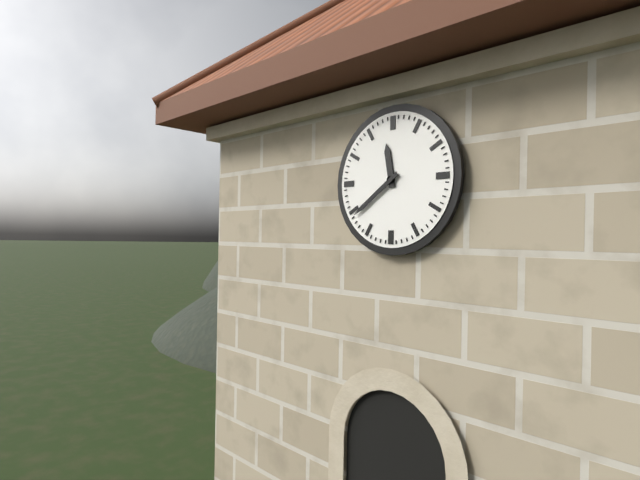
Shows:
11h39
